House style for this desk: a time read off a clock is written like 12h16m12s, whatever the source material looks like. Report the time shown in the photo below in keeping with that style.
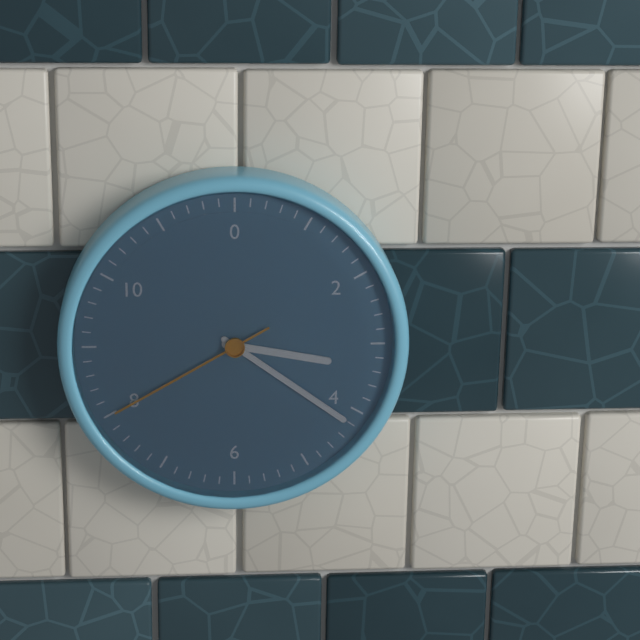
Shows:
3h21m40s
